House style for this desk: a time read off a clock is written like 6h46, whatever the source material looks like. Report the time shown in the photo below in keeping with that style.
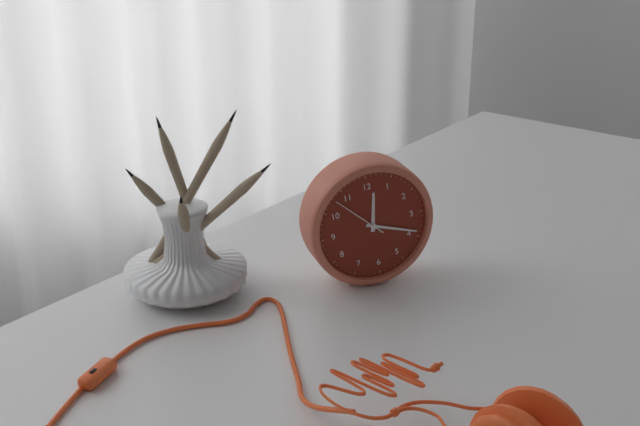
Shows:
12h19
